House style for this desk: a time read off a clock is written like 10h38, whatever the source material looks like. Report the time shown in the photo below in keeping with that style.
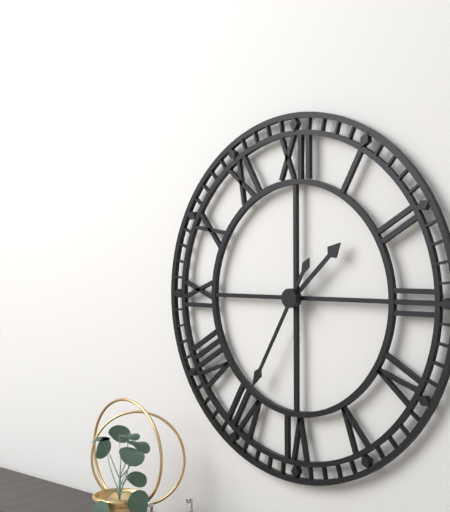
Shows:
1h35
